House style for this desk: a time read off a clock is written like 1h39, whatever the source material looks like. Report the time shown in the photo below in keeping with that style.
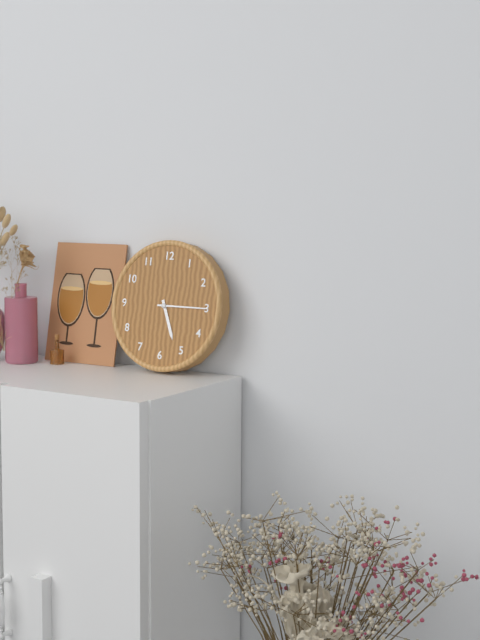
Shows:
5h15
